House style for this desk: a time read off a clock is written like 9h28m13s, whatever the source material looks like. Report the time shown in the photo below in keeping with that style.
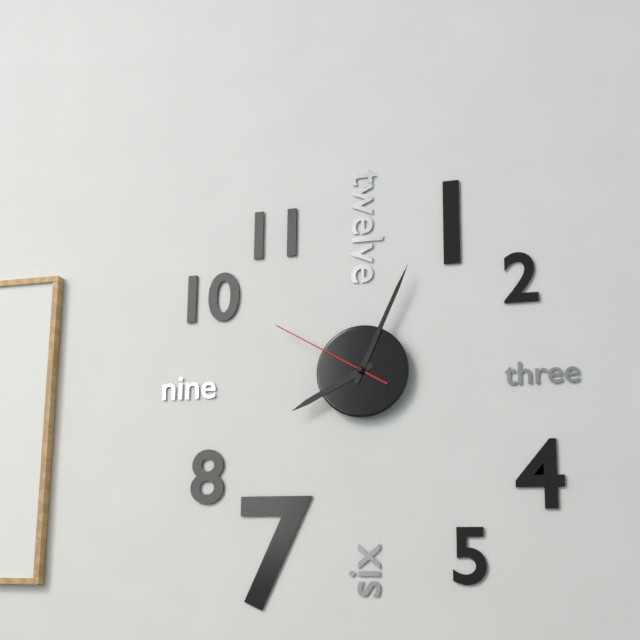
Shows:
8h04m50s
